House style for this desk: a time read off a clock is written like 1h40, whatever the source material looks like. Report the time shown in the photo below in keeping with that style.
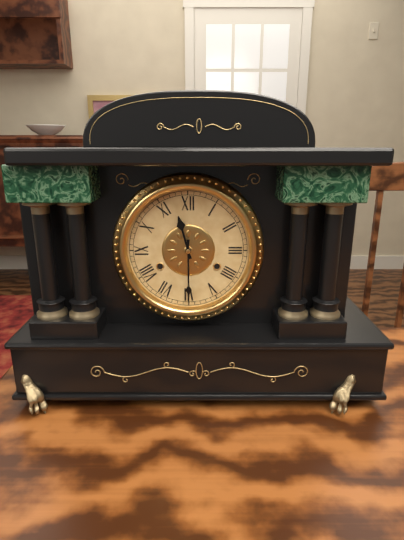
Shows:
11h30
